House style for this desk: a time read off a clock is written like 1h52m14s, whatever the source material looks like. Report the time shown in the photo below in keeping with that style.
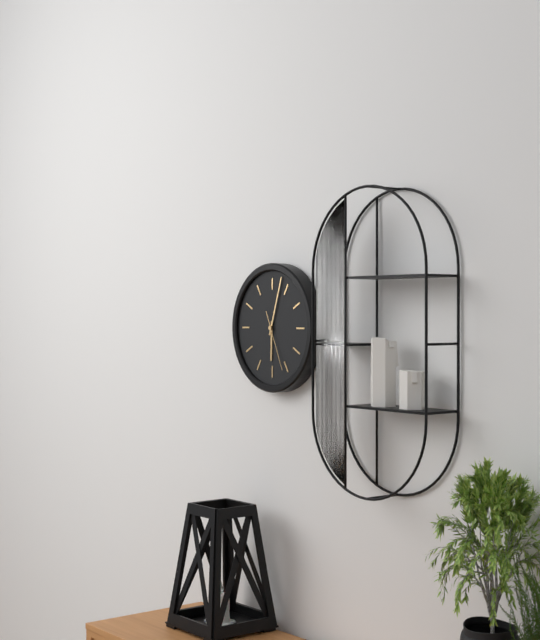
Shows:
6h03m26s
